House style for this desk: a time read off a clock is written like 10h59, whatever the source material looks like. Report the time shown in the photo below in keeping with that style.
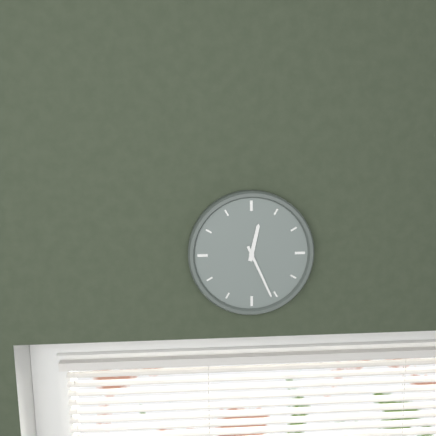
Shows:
12h26
